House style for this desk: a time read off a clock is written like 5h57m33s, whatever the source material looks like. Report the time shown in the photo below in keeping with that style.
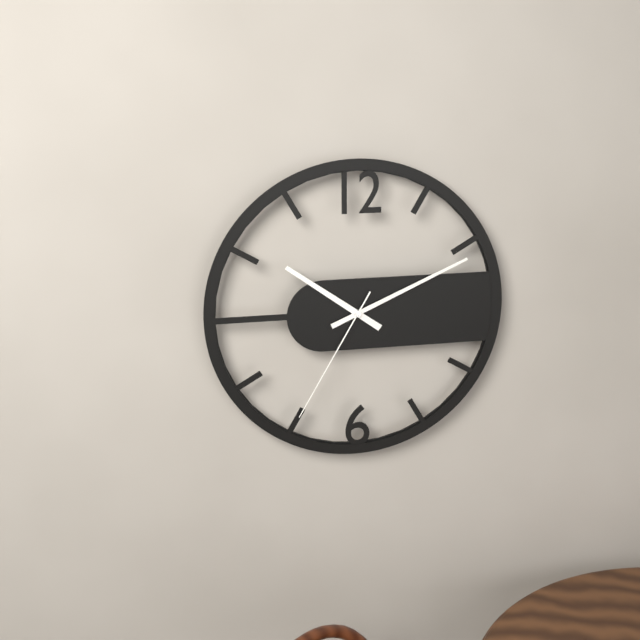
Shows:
10h11m35s
